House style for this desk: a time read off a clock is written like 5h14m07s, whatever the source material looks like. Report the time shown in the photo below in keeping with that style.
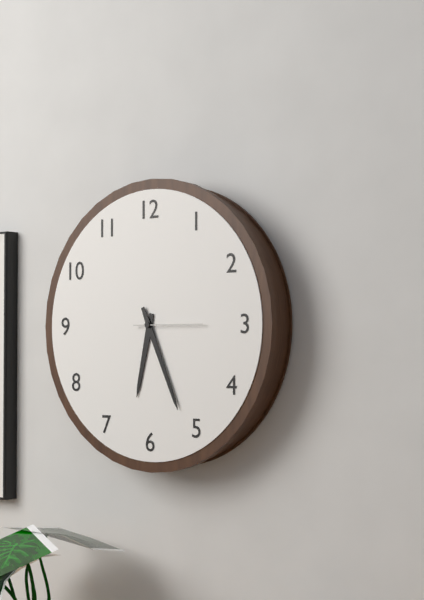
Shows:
6h26m15s
